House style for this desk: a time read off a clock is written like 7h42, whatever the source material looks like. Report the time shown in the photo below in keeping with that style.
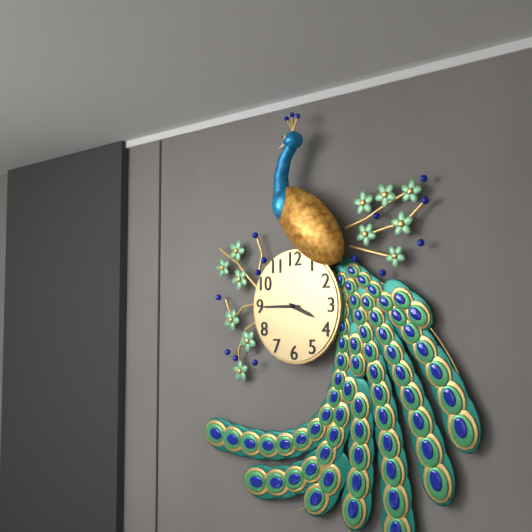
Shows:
3h45
